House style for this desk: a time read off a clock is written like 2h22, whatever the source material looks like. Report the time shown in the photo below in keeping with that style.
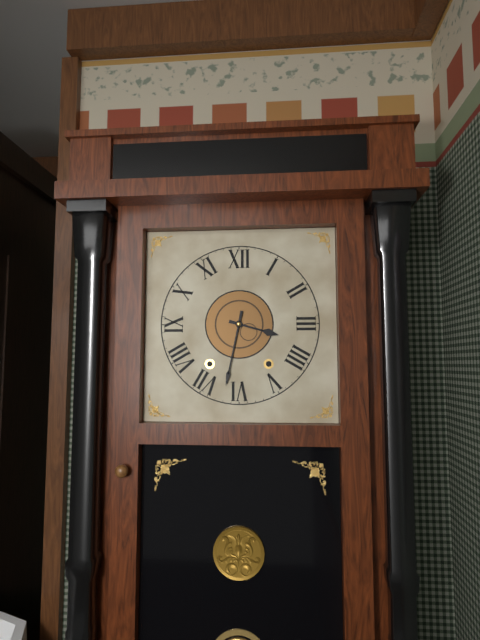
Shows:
3h32
